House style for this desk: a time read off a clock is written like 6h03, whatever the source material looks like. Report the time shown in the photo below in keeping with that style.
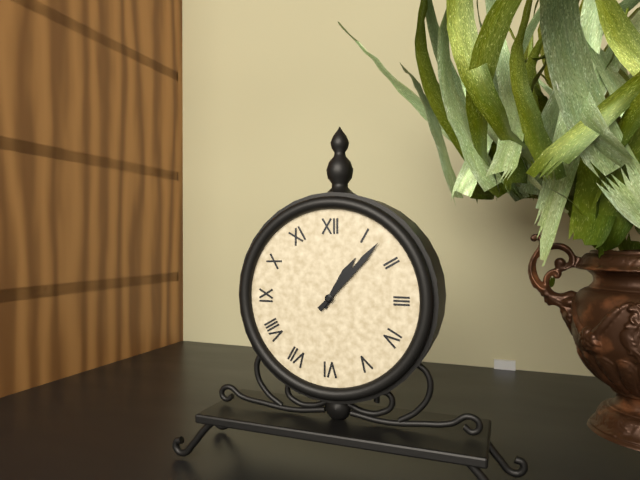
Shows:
1h07
